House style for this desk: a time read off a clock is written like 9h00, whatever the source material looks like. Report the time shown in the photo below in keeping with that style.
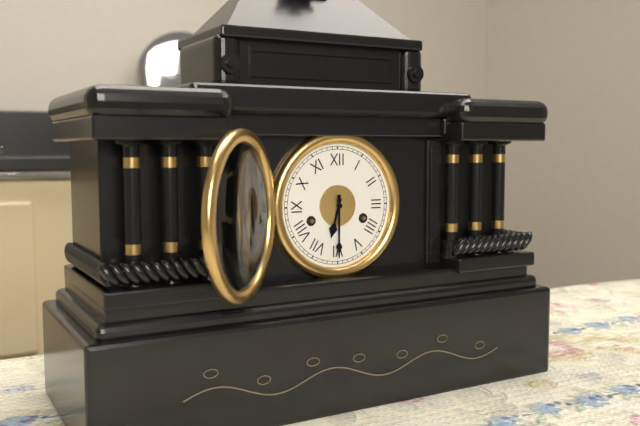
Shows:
6h30
